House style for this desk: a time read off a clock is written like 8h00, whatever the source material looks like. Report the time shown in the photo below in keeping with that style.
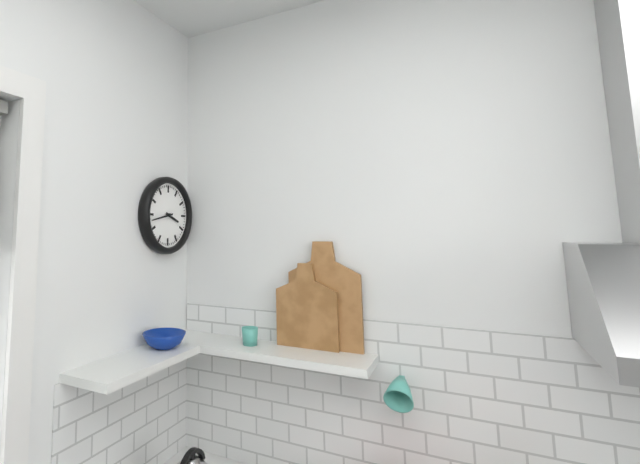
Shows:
3h43
